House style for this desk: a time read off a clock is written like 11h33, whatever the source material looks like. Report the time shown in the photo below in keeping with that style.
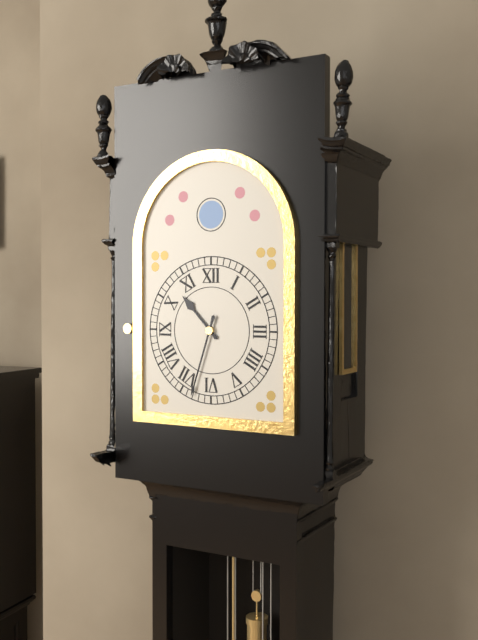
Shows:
10h33
